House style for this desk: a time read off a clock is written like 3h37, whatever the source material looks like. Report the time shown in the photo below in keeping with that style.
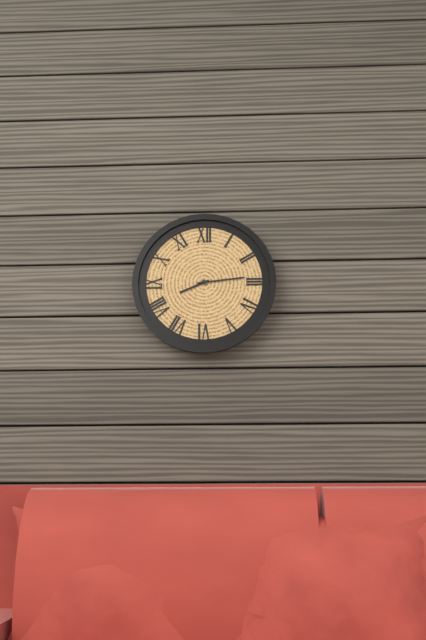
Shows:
8h14
